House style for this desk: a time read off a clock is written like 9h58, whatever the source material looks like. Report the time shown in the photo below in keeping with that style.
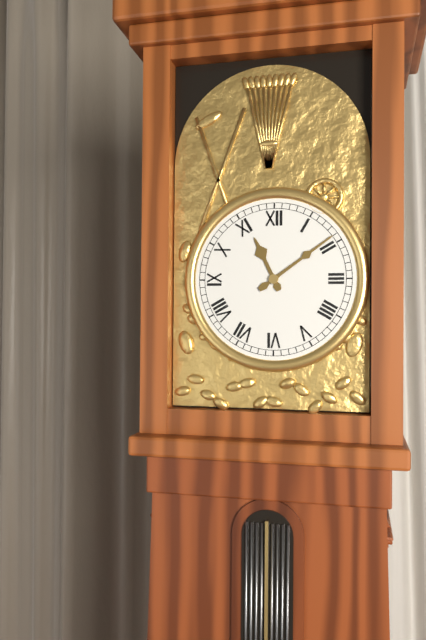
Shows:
11h09
